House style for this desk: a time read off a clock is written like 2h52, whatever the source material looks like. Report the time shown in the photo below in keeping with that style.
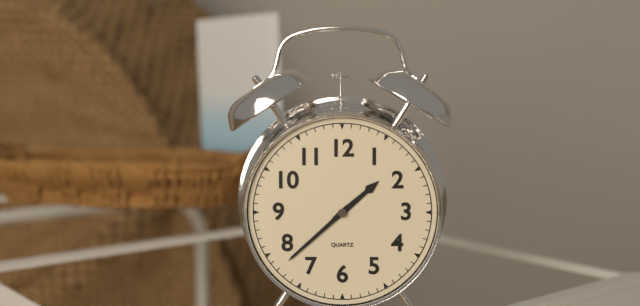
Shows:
1h38
